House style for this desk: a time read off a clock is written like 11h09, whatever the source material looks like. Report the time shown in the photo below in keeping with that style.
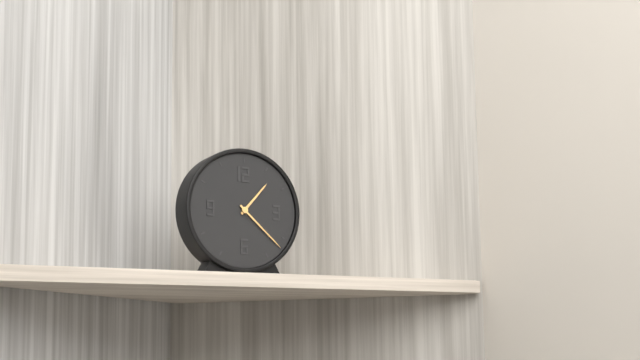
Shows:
1h22
